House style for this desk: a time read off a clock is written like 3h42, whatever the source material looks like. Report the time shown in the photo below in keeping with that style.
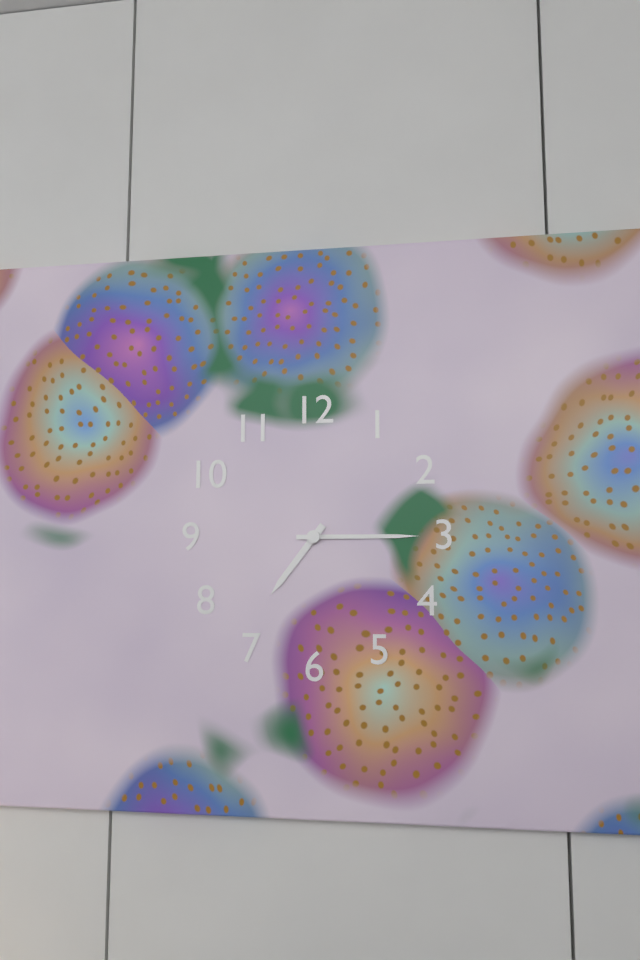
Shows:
7h15
